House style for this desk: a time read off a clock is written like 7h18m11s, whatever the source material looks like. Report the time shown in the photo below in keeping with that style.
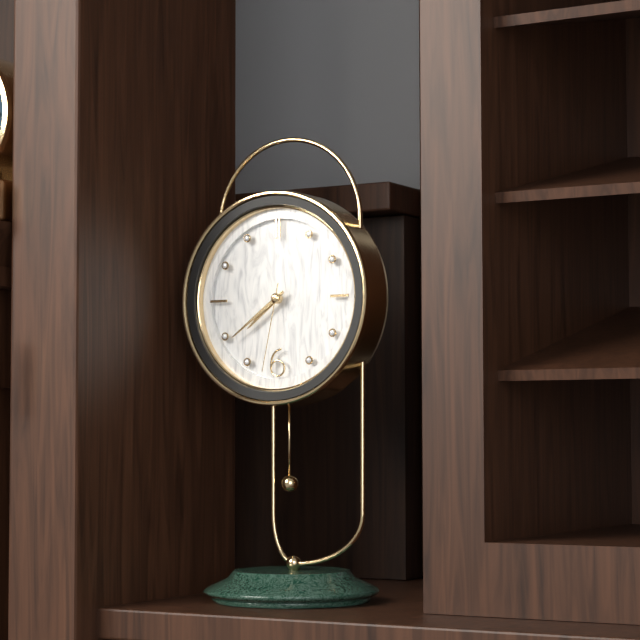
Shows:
7h39m32s
